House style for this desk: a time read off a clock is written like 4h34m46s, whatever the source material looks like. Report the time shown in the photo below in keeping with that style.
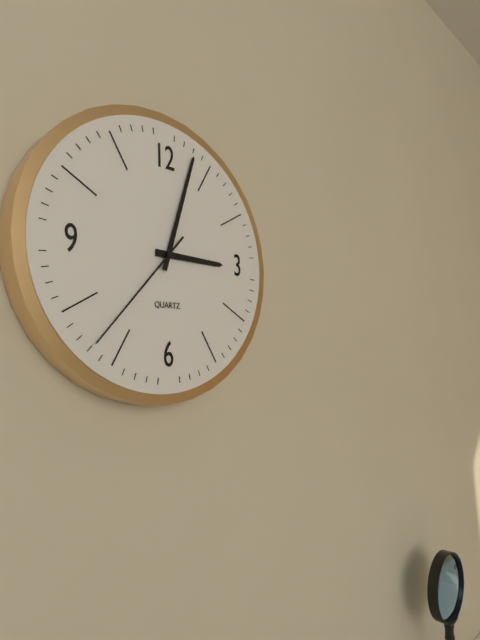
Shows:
3h03m37s
